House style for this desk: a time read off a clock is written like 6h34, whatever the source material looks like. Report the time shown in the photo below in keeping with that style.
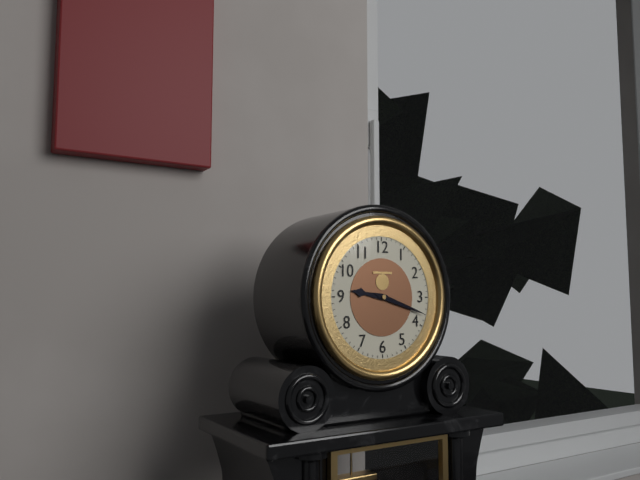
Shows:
9h18
